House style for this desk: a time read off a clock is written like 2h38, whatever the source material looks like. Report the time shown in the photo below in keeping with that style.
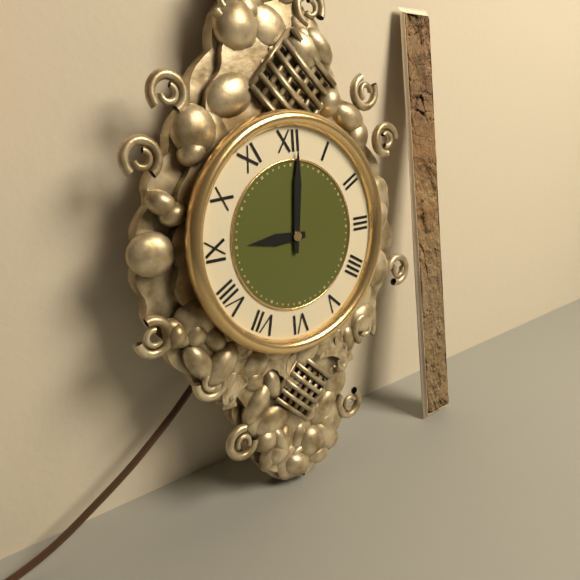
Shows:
9h01
